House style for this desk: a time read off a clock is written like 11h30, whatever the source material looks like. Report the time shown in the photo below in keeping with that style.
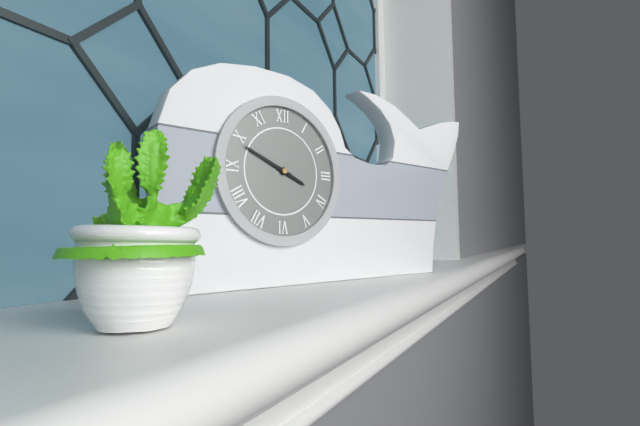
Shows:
3h49
